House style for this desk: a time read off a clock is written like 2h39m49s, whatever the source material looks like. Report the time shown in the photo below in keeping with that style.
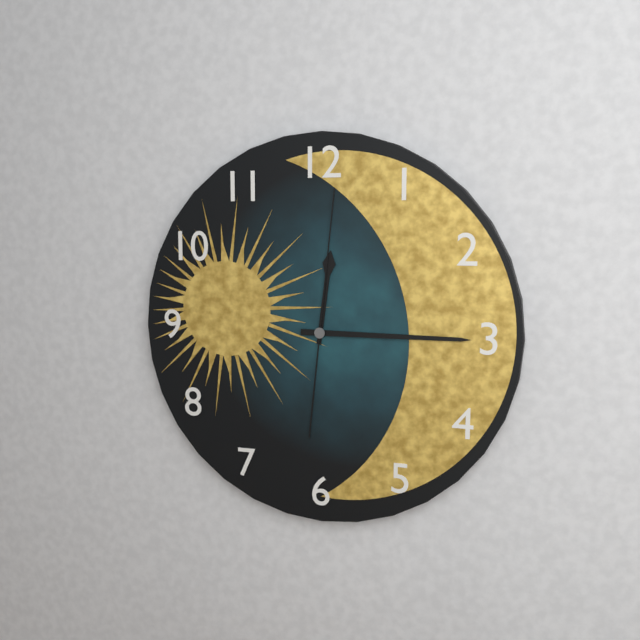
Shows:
12h15m01s
